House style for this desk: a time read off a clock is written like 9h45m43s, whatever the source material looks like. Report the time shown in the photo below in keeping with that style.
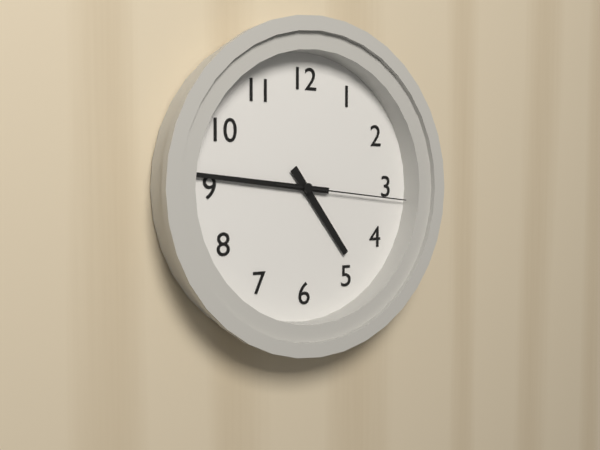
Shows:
4h46m16s
